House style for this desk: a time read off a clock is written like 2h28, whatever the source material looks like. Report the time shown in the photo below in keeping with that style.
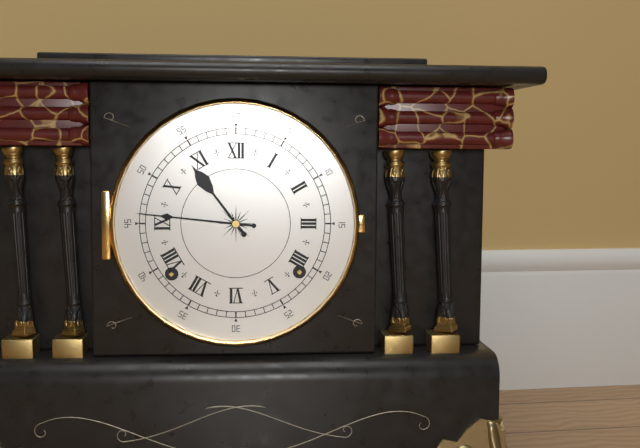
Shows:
10h46
